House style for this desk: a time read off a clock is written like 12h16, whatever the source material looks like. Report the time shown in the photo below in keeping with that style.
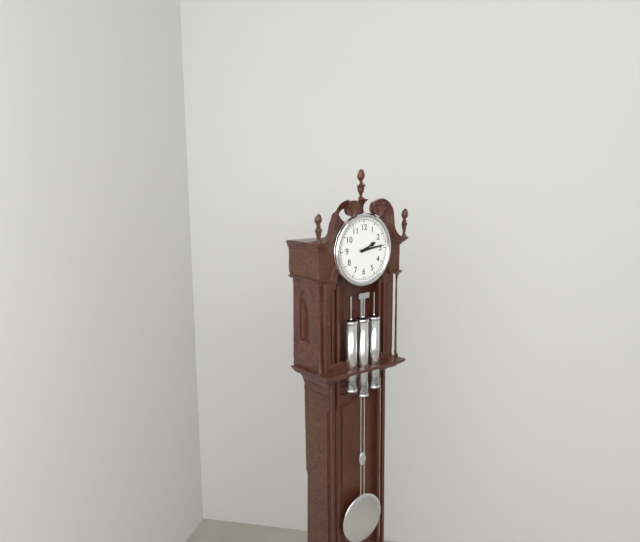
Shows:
2h14
